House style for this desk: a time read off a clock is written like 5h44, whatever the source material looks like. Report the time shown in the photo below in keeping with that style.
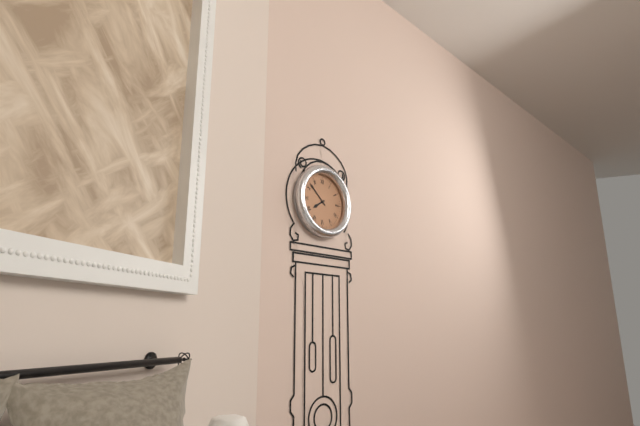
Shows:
7h52
